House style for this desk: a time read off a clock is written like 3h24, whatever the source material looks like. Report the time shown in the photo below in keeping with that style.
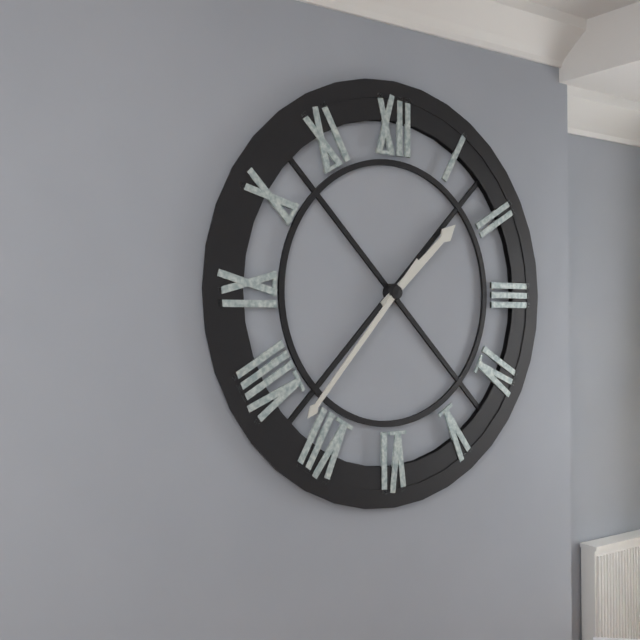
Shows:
1h37
